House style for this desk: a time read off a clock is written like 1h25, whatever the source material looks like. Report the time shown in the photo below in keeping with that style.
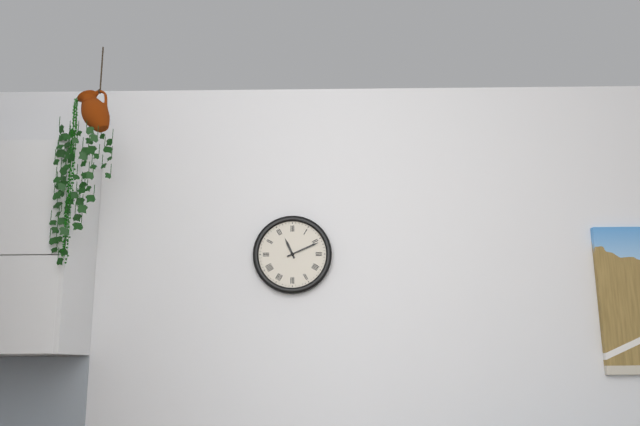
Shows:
11h11
